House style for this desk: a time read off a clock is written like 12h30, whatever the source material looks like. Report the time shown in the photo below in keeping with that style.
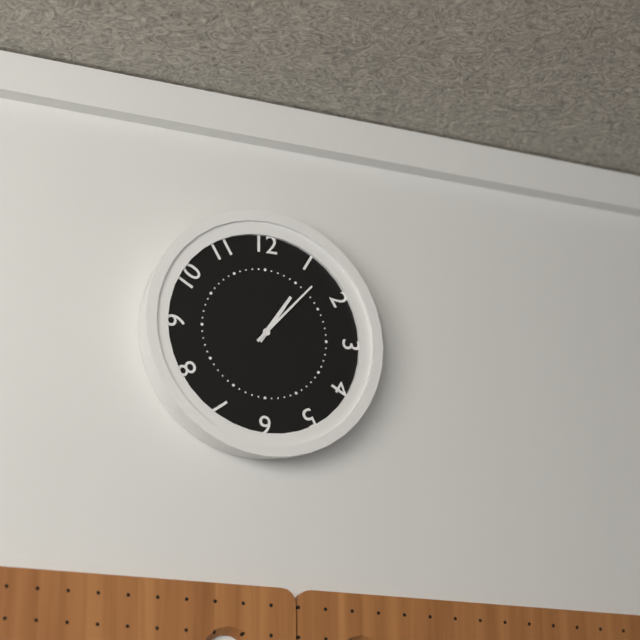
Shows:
1h07
